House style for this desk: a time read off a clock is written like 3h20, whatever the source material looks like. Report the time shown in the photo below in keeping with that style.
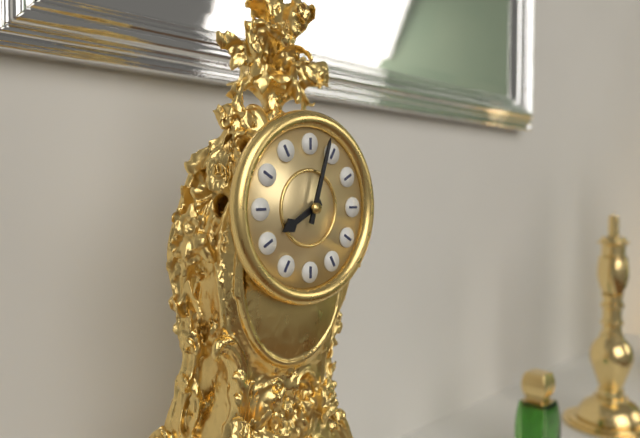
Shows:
8h03
